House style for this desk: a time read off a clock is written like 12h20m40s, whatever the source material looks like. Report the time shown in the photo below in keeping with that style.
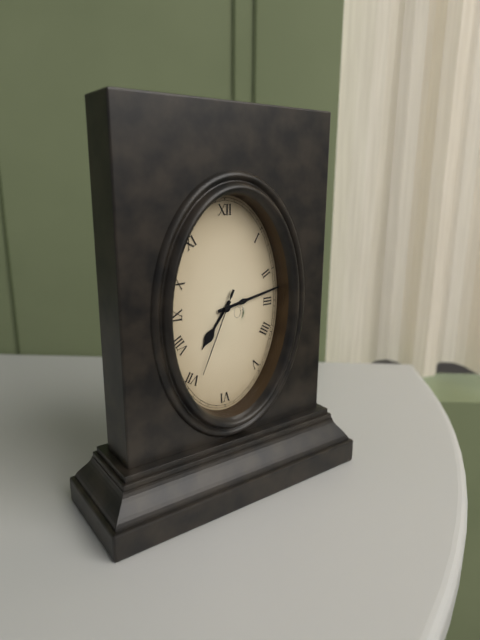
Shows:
7h13m34s
